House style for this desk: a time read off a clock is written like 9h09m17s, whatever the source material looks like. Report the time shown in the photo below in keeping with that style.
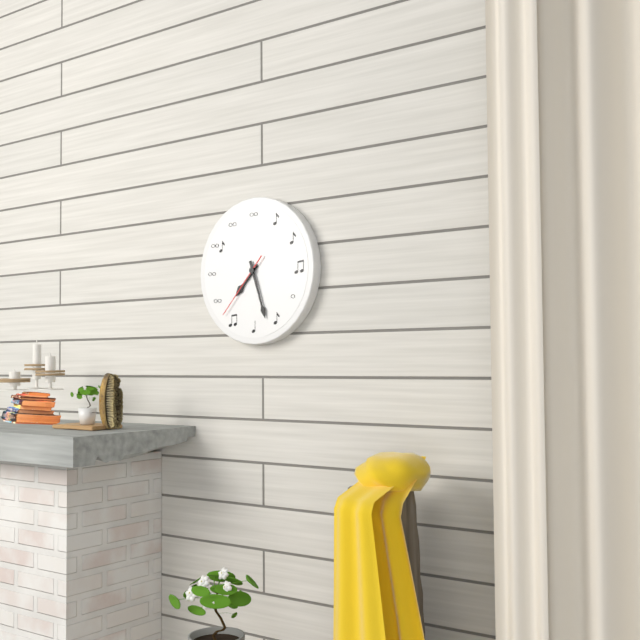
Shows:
7h27m37s
